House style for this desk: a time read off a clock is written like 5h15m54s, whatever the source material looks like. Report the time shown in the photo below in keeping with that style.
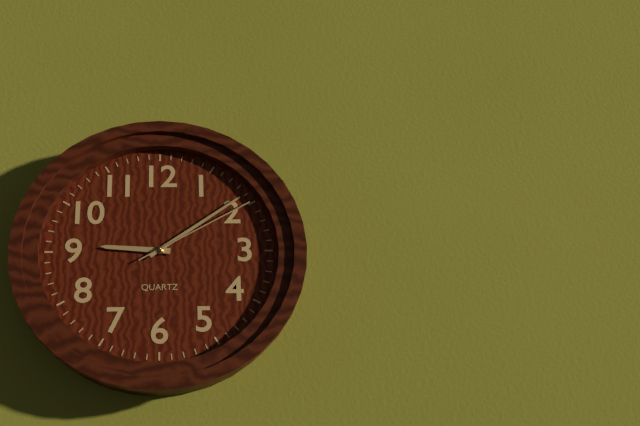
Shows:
9h09m10s
